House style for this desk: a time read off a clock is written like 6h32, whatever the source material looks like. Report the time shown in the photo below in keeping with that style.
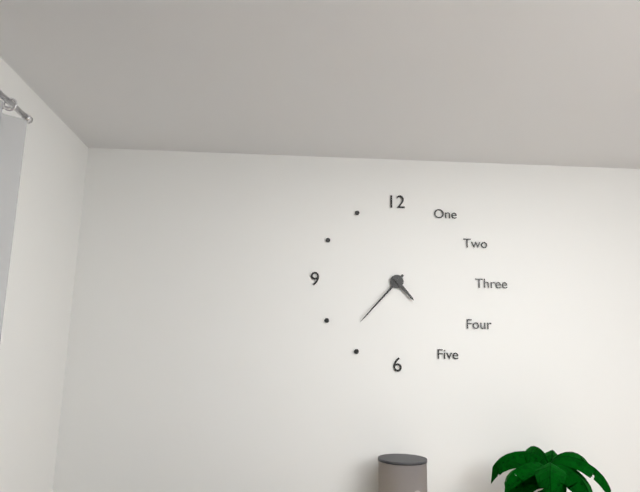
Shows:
4h37
